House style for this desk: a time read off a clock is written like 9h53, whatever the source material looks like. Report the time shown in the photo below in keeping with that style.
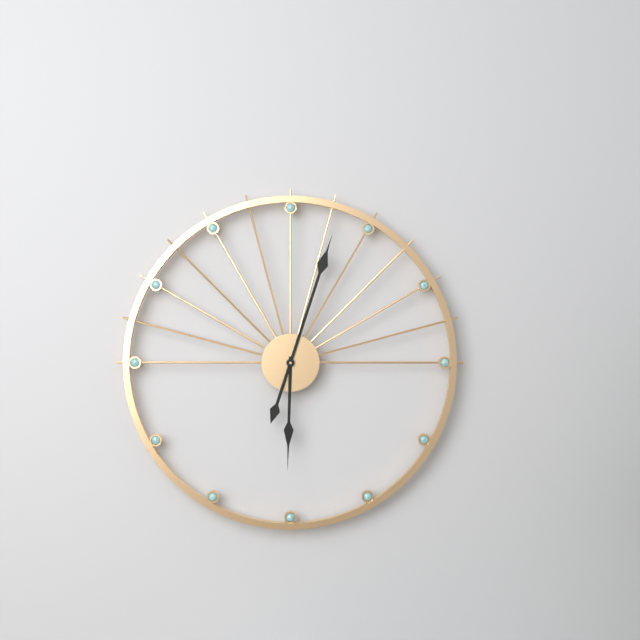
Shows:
6h03
